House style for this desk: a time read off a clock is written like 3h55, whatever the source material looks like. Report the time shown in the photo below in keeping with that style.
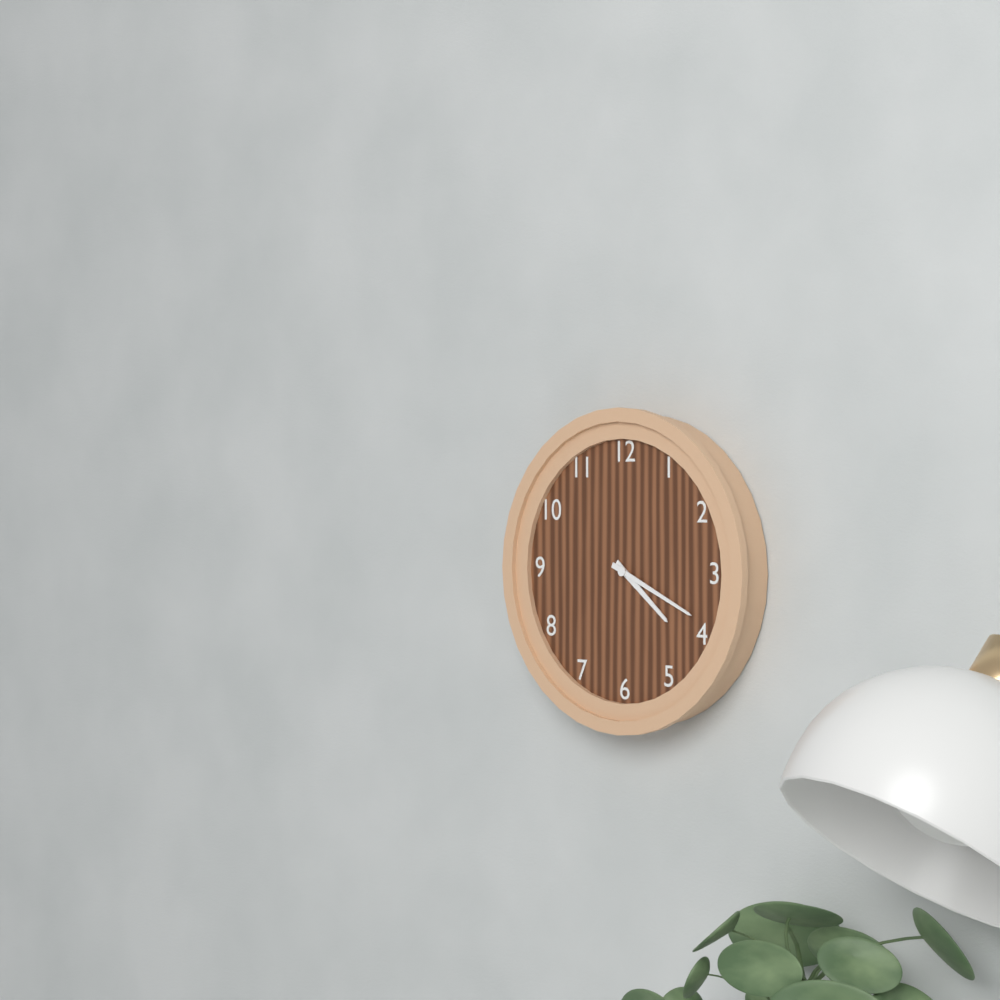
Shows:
4h19
